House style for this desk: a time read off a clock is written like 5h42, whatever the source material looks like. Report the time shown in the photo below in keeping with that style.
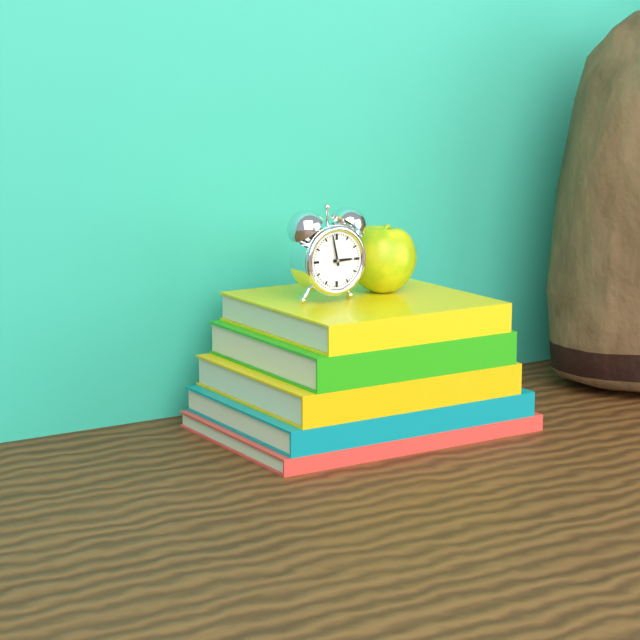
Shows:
2h58
